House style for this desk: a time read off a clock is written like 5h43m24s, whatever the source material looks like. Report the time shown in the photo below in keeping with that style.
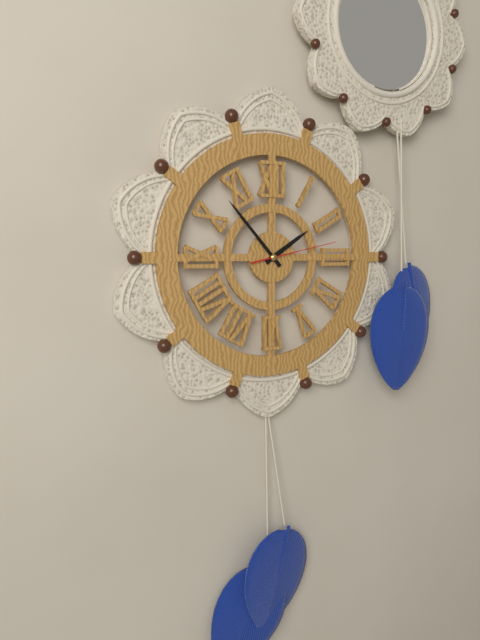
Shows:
1h53m13s
